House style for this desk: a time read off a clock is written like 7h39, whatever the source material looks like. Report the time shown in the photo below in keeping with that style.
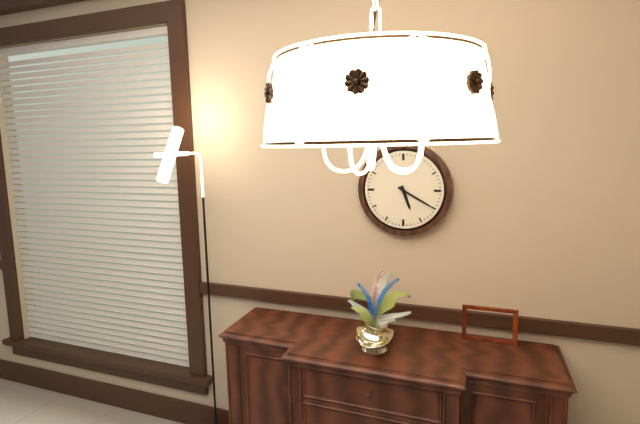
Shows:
5h20
